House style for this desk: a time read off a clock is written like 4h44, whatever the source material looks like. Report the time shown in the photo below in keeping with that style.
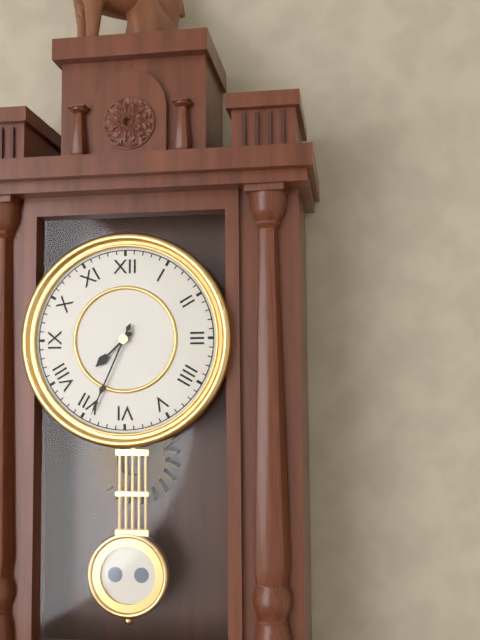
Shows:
7h34
